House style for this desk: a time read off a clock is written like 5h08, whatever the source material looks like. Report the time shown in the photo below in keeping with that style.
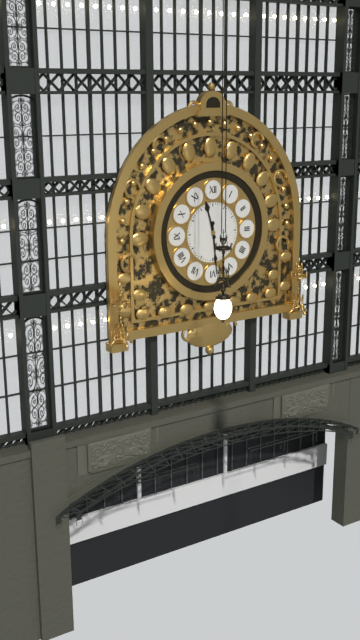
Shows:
11h29
